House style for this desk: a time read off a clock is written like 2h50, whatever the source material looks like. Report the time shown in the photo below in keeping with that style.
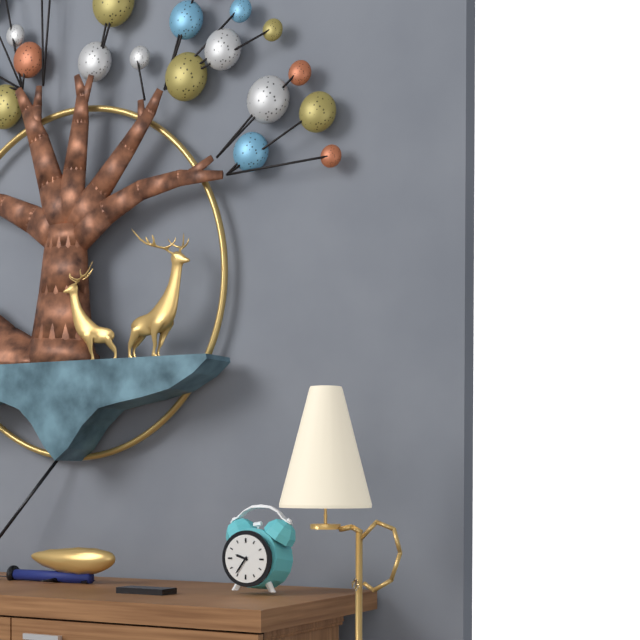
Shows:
9h36
